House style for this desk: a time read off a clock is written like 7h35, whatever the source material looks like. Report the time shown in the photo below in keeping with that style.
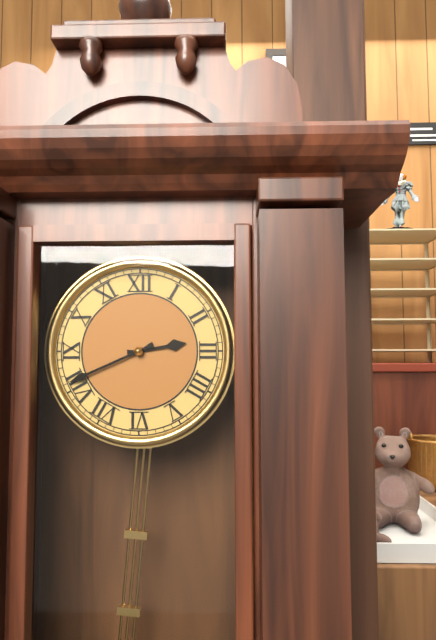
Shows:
2h41
